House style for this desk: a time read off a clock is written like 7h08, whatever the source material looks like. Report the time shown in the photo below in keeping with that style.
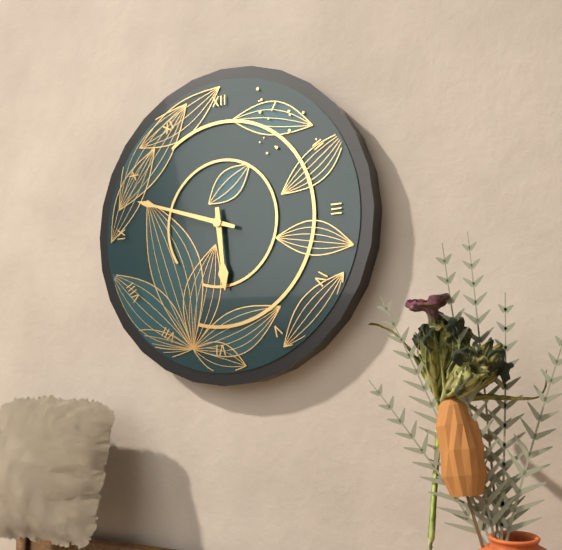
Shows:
5h48
